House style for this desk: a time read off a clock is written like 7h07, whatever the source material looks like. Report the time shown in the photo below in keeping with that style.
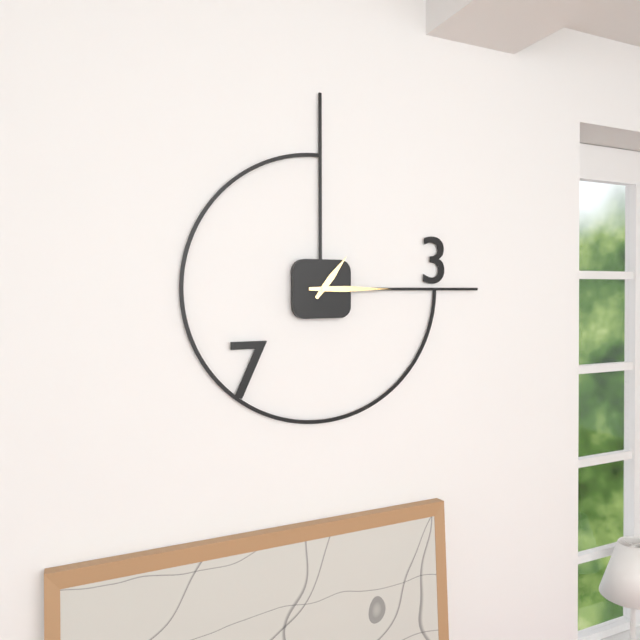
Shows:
1h15
